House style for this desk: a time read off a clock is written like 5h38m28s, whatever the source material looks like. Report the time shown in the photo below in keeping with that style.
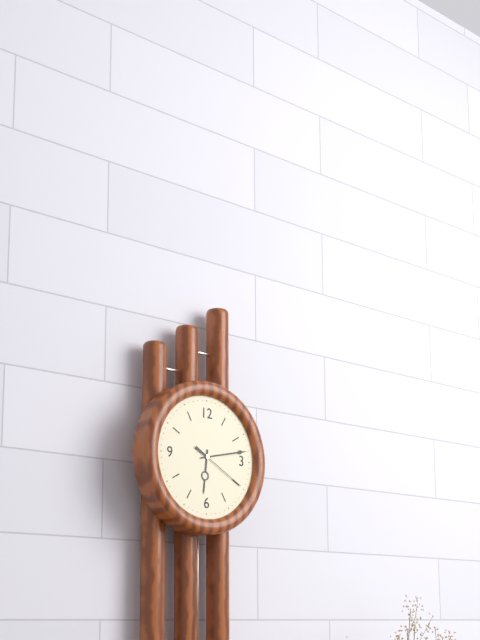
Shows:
6h13m20s
